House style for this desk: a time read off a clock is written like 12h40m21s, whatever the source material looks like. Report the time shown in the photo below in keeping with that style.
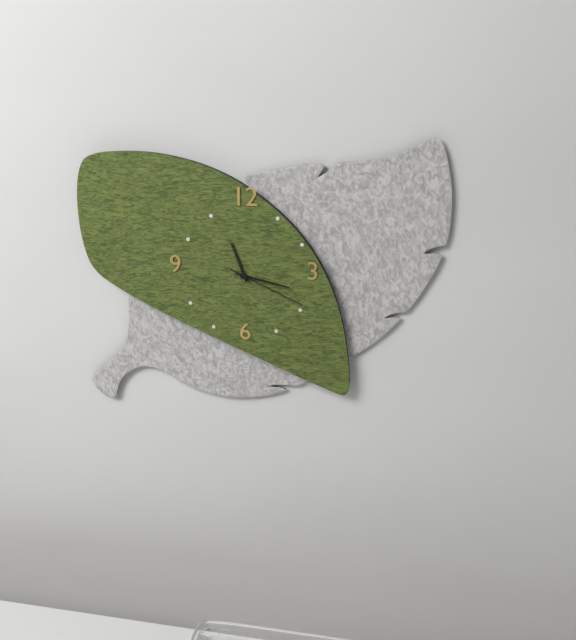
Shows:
11h17m19s
